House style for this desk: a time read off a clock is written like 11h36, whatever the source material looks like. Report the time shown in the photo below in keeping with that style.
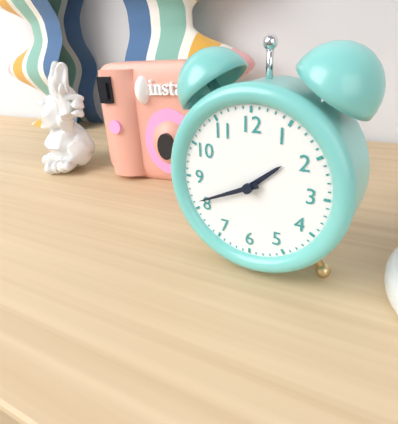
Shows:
1h41
